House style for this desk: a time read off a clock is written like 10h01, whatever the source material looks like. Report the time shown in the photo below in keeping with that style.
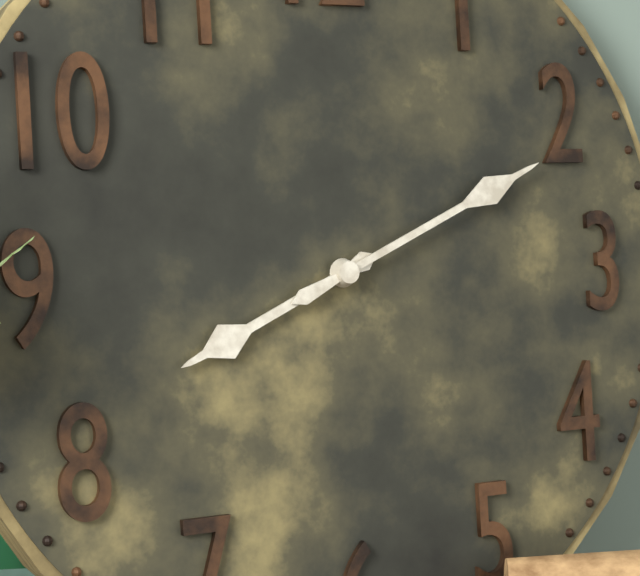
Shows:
8h11
